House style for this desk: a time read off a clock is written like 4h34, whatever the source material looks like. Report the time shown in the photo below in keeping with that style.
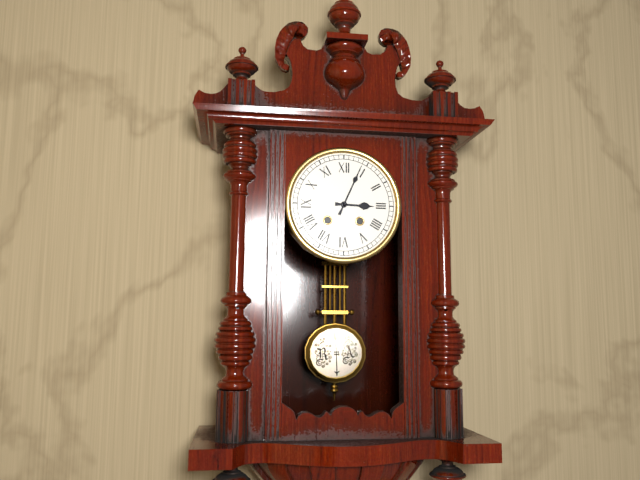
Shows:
3h04
